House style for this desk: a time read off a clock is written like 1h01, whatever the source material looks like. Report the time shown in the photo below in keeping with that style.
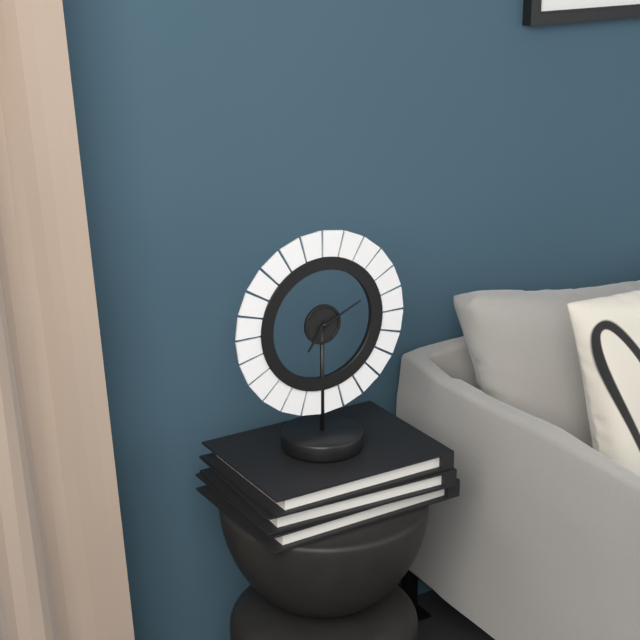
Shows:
7h11
